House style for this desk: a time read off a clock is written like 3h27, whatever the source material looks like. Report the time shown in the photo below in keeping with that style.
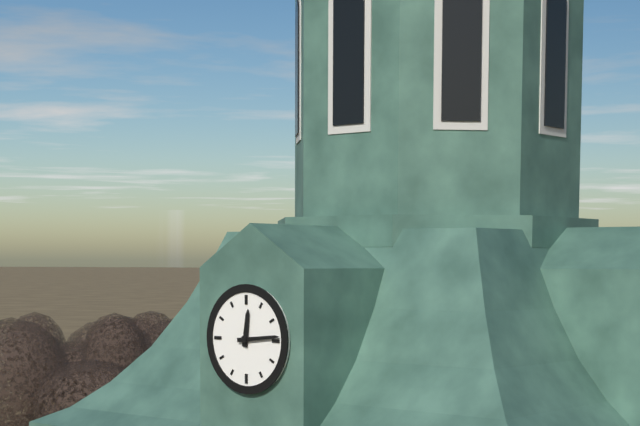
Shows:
12h14
